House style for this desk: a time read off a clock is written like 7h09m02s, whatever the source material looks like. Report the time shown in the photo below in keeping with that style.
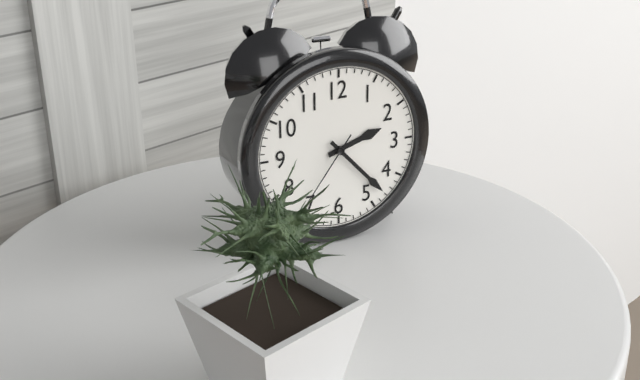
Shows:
2h23m36s
